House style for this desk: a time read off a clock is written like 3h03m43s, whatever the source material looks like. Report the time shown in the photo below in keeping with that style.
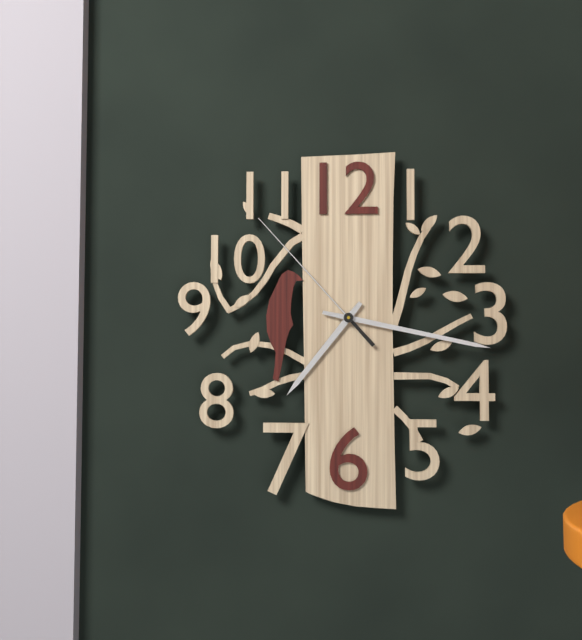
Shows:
7h17m53s
